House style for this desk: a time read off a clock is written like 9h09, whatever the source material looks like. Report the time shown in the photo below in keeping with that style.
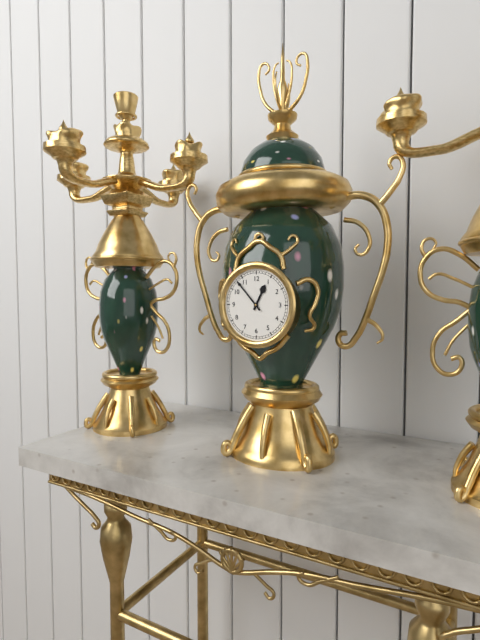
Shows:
12h53
